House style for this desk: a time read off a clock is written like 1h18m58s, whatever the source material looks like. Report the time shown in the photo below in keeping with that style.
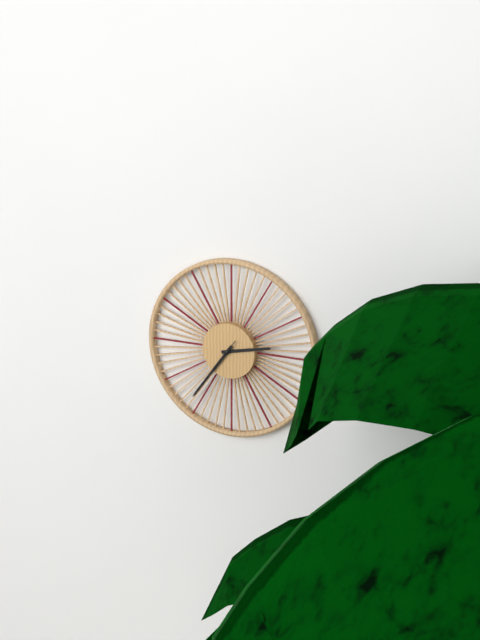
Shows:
2h36m36s
